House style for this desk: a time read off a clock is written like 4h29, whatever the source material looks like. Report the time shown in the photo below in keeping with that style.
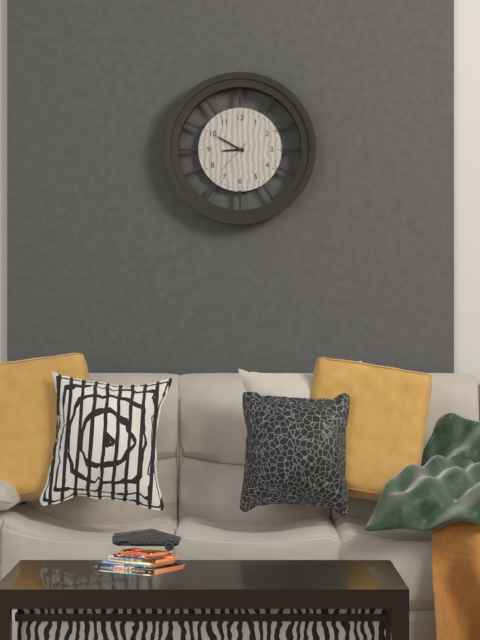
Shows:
8h50
